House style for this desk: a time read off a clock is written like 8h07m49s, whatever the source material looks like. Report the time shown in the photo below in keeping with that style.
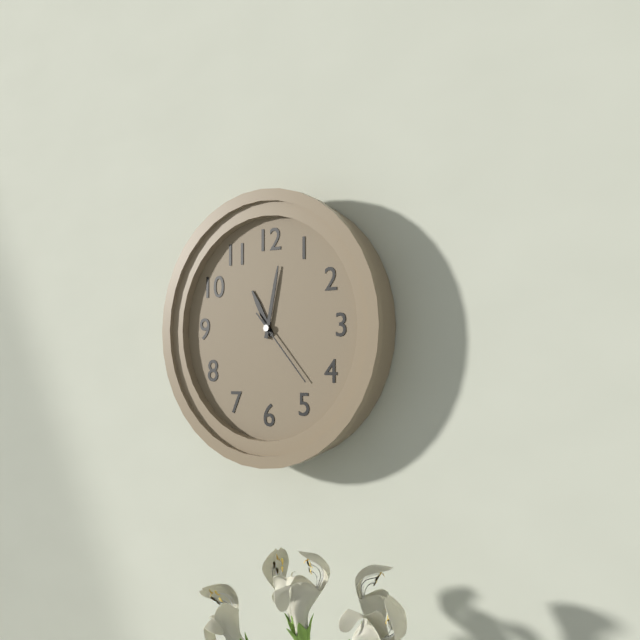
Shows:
11h02m23s
